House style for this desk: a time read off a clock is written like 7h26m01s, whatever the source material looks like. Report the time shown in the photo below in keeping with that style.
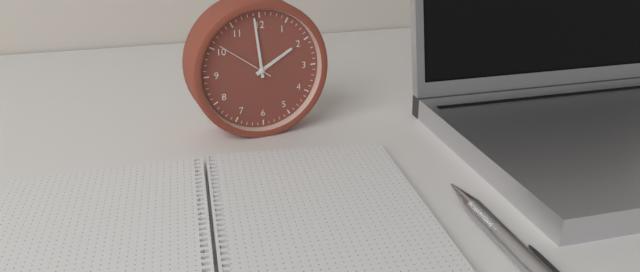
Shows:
1h59m51s
